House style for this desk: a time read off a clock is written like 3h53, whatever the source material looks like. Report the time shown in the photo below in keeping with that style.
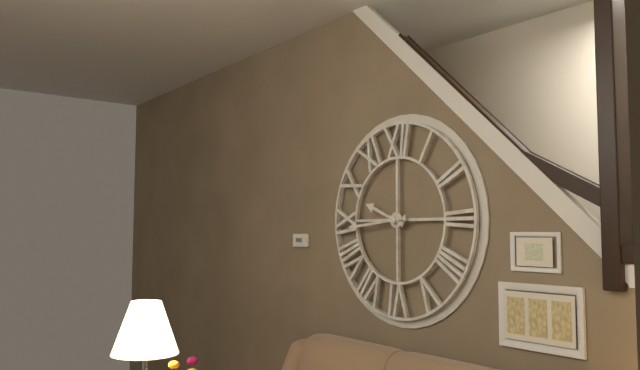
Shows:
9h44
